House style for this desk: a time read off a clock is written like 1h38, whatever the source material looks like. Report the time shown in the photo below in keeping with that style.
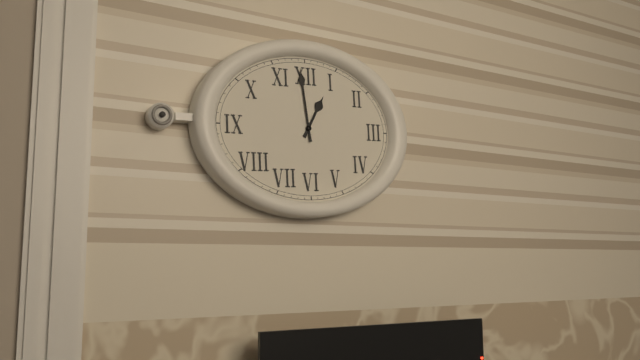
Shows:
12h59
